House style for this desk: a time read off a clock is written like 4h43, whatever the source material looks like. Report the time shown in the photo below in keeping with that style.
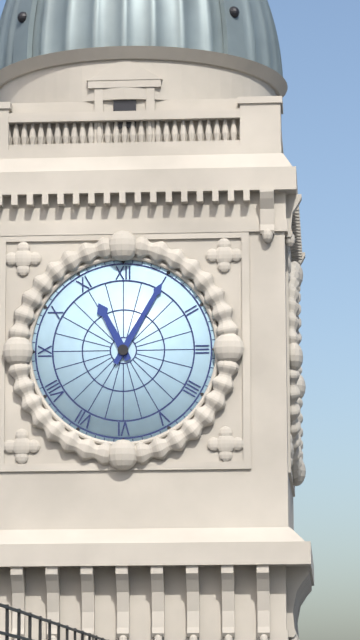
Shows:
11h05
